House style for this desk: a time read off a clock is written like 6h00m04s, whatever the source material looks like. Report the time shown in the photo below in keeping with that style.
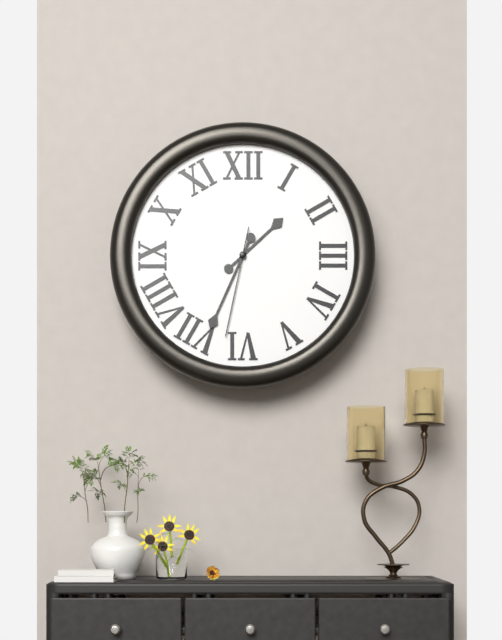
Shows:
1h34m32s
